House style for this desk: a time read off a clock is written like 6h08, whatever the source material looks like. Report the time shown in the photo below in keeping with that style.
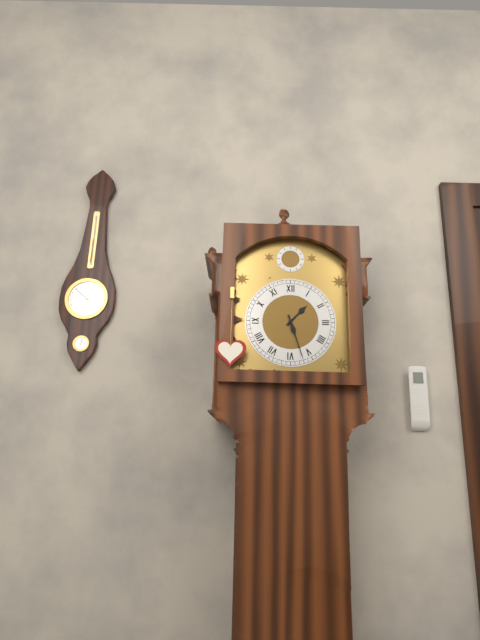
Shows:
1h27
